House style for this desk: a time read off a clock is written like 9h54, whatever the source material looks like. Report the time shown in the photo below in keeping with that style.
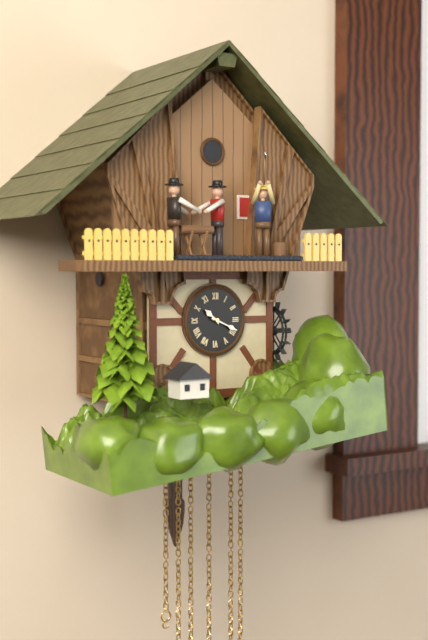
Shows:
10h19
